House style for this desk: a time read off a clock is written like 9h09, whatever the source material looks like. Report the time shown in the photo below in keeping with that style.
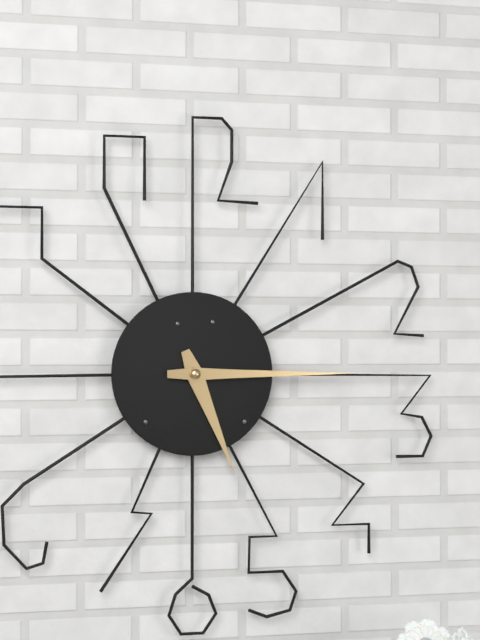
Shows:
5h15
